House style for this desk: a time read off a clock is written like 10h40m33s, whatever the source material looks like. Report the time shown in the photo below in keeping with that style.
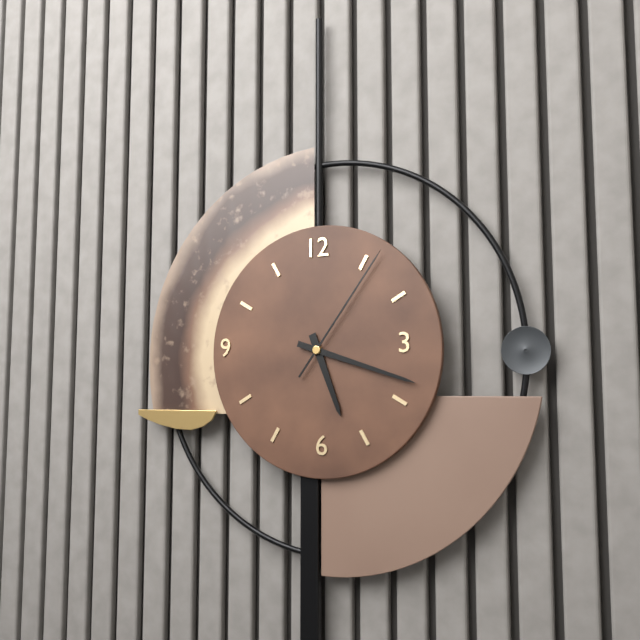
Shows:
5h18m06s
